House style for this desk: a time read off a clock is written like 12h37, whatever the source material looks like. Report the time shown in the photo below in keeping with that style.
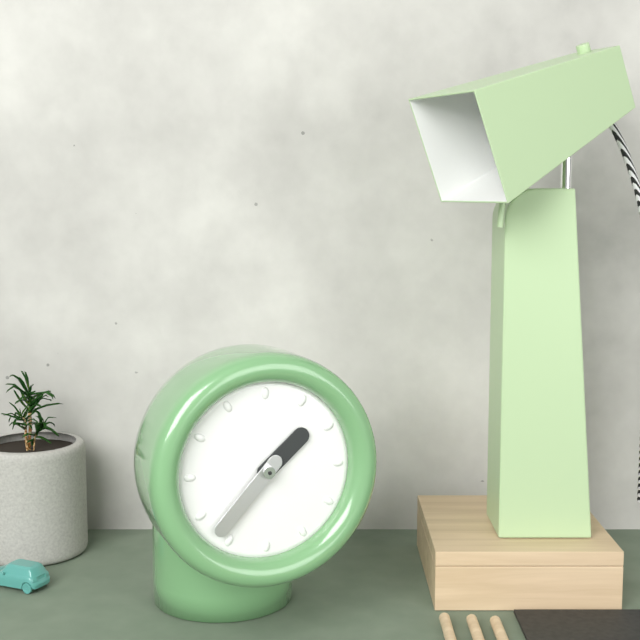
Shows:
1h37
